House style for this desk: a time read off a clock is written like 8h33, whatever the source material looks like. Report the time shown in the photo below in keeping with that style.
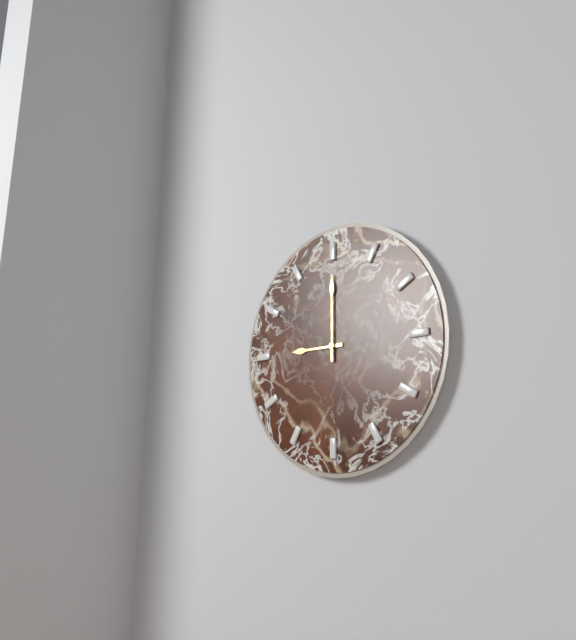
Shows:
9h00
